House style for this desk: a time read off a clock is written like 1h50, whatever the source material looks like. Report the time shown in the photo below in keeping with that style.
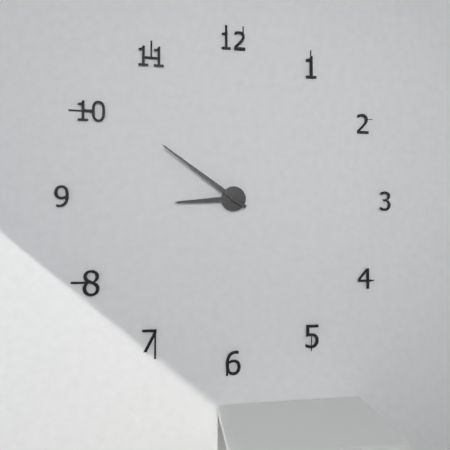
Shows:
8h51
